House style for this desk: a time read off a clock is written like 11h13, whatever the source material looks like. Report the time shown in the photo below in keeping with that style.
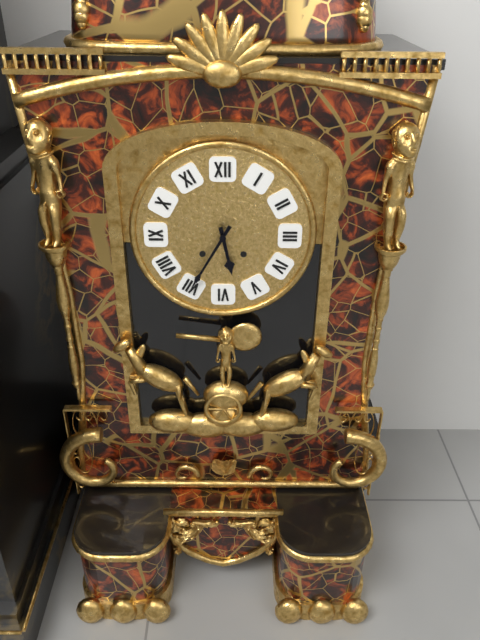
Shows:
5h35
